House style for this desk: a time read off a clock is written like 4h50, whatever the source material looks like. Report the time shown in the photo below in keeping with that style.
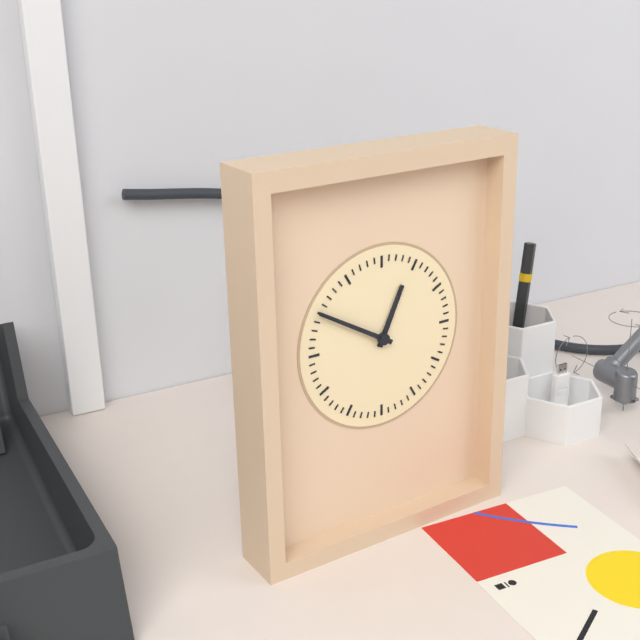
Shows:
12h50
